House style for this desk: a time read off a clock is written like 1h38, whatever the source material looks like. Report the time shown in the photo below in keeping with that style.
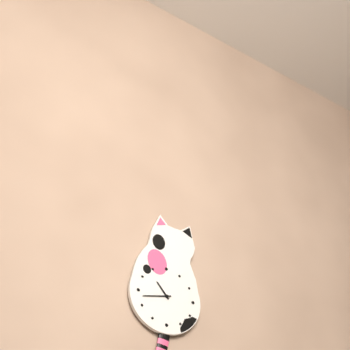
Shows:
10h43
